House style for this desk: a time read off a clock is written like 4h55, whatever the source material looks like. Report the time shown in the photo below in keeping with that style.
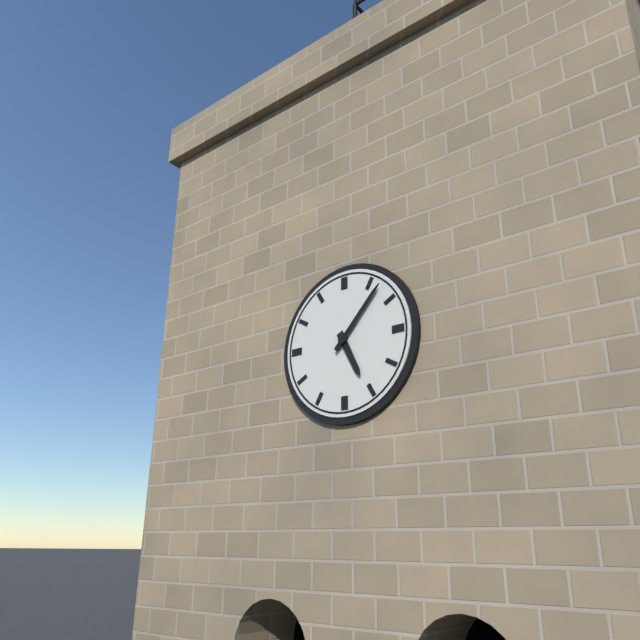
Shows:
5h07
